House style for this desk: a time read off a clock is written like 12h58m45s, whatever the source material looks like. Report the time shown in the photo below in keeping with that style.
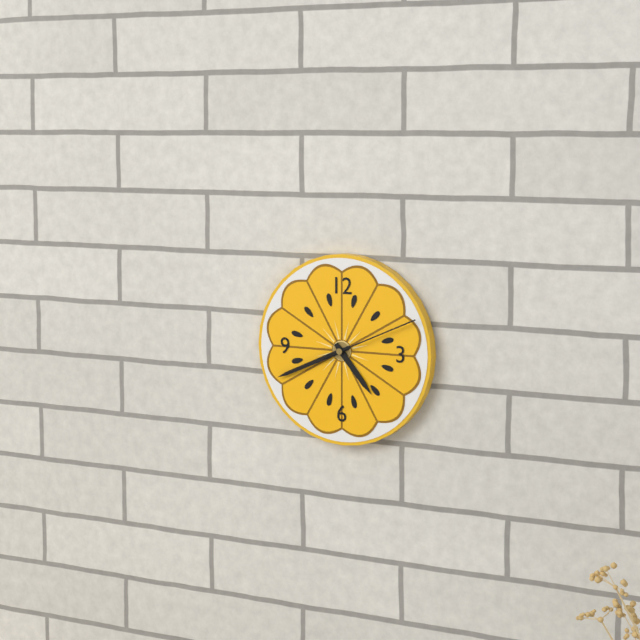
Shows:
4h41m11s
